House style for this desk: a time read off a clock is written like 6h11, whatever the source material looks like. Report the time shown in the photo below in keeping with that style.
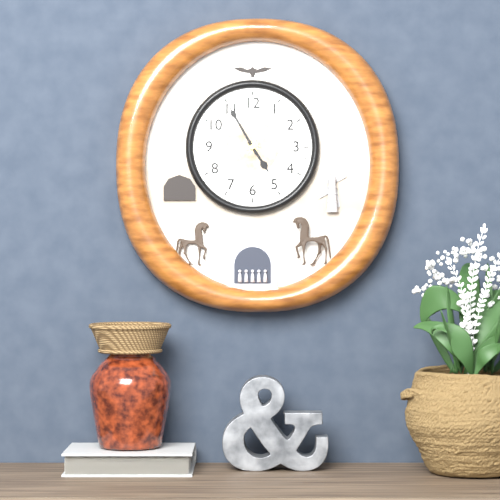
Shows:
4h55
